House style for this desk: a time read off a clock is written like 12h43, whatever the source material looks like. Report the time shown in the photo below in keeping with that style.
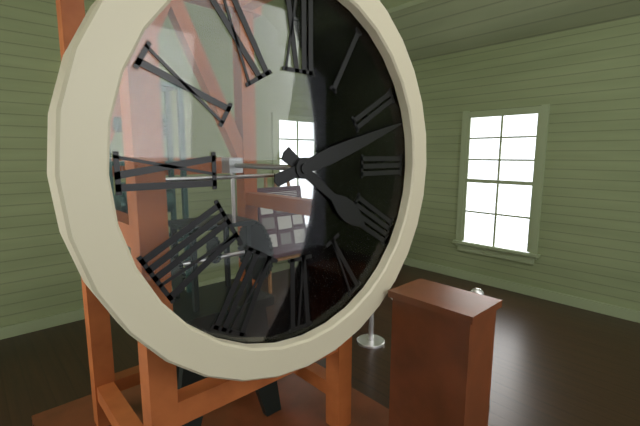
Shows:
4h12
